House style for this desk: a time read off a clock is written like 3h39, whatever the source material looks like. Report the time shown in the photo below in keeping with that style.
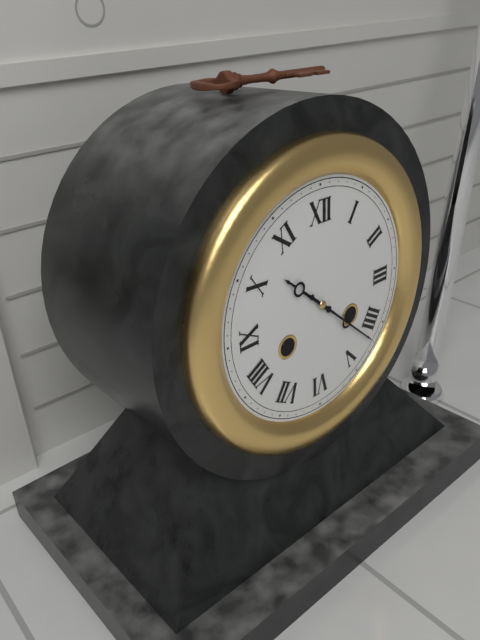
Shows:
10h22
